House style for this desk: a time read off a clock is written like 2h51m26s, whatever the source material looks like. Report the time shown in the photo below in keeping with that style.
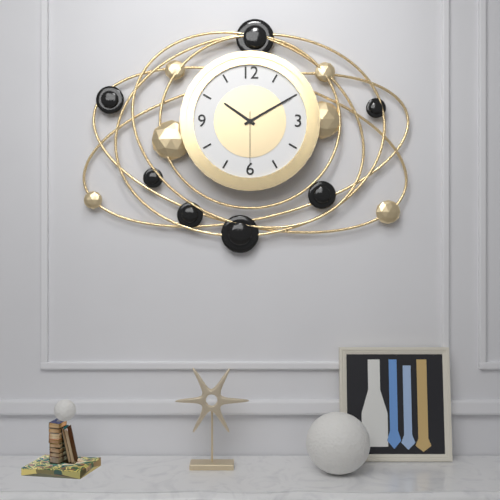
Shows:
10h10m30s
